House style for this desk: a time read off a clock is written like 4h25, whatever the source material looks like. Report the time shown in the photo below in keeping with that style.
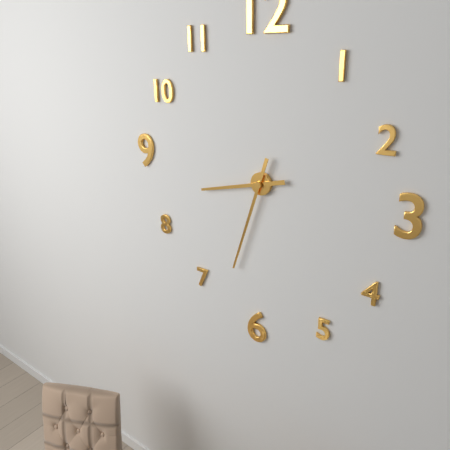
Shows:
8h33
